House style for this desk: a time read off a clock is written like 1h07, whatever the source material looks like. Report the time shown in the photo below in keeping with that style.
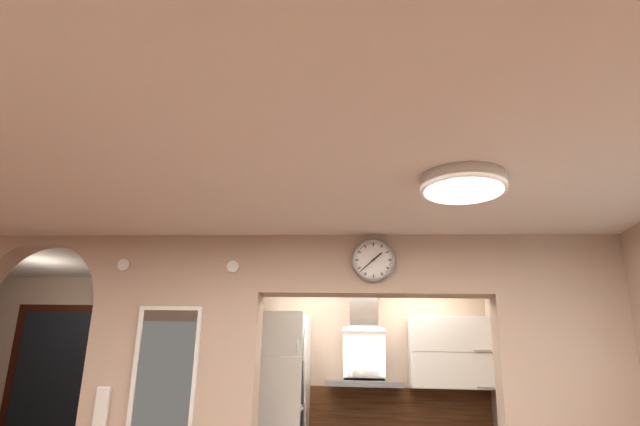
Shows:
1h38
